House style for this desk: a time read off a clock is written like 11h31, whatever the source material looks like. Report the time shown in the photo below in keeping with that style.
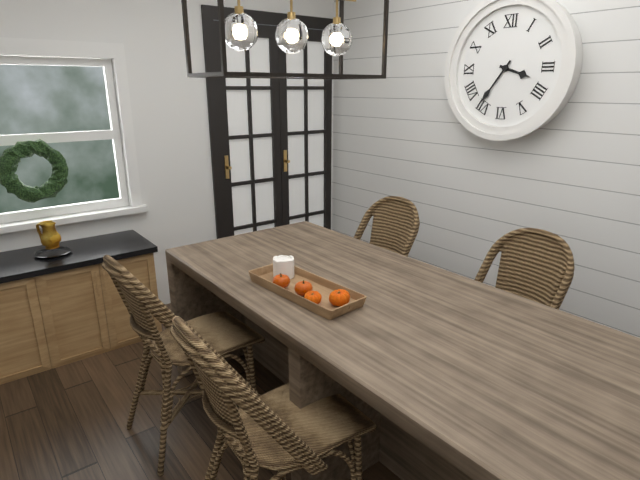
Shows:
3h36
